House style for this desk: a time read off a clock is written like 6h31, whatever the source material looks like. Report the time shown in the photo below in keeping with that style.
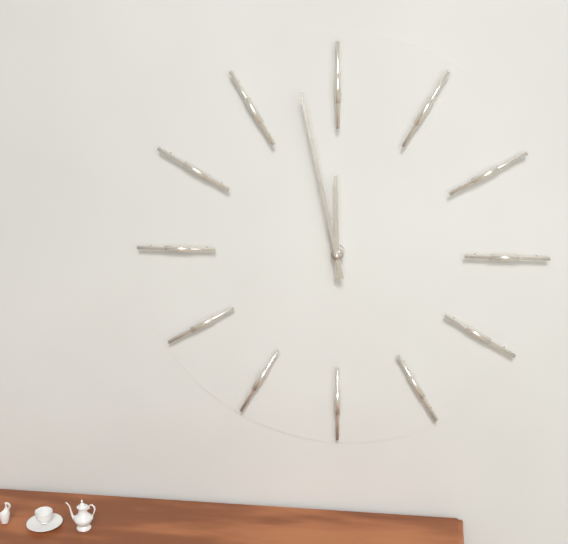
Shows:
11h58
